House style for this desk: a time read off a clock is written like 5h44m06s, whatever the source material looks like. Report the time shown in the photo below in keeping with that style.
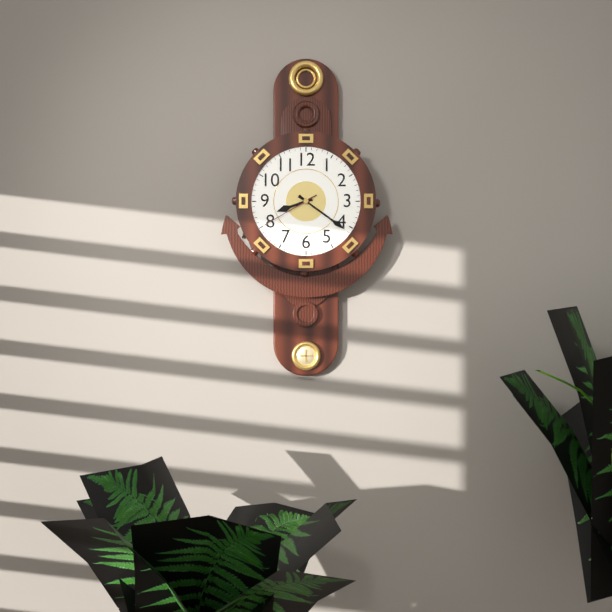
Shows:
8h21m40s
